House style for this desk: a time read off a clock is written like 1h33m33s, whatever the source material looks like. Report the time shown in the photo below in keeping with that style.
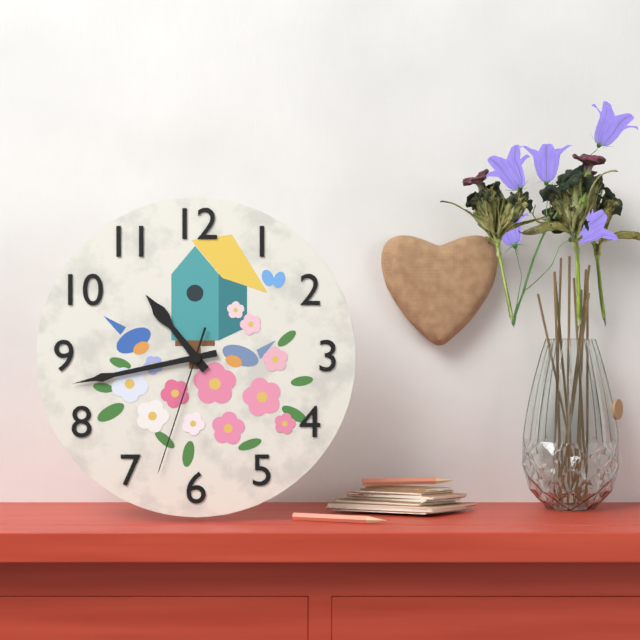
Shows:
10h43m33s
